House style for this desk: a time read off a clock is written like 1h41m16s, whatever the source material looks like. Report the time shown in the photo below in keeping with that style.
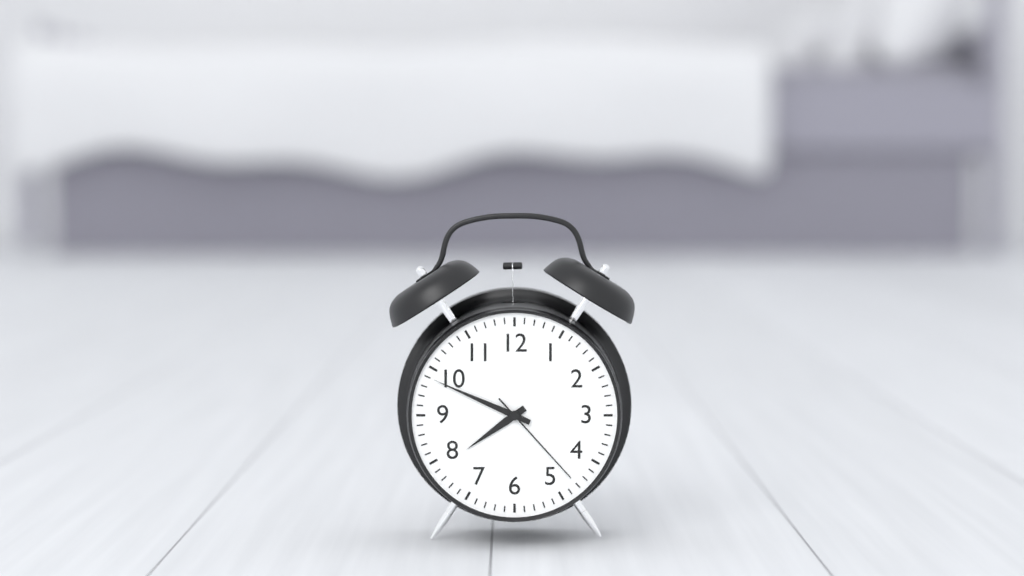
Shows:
7h49m23s
